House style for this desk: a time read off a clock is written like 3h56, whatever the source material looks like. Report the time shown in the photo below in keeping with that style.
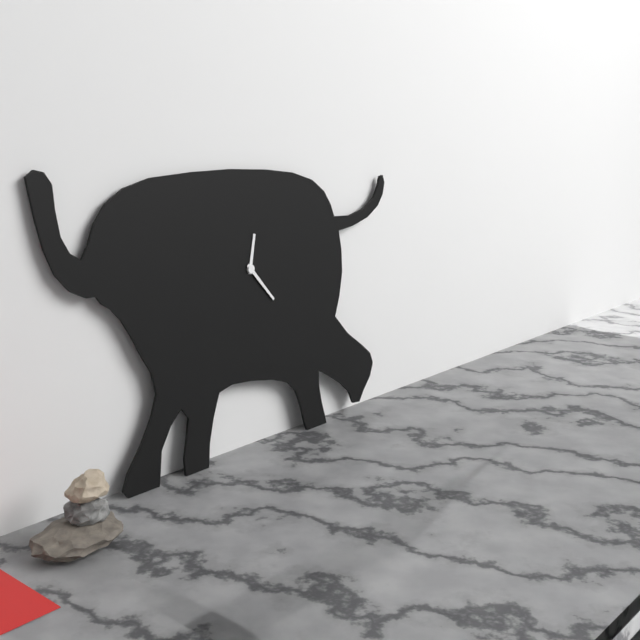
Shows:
12h23
